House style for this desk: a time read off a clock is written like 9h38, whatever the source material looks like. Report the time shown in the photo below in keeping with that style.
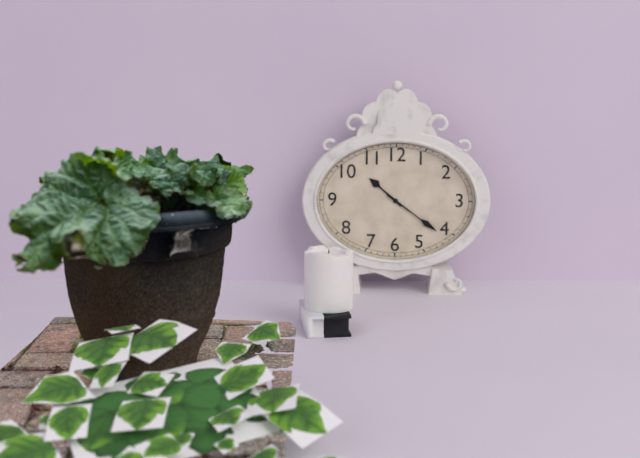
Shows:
10h21
